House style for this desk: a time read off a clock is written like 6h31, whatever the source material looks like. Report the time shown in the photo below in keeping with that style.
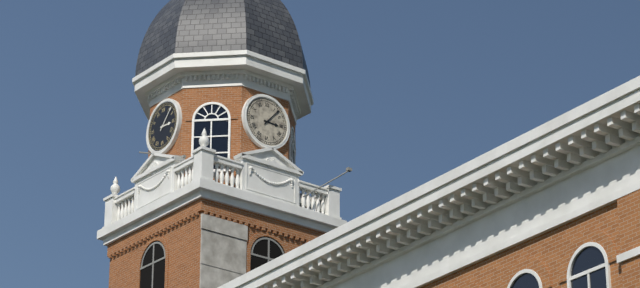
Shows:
3h07
